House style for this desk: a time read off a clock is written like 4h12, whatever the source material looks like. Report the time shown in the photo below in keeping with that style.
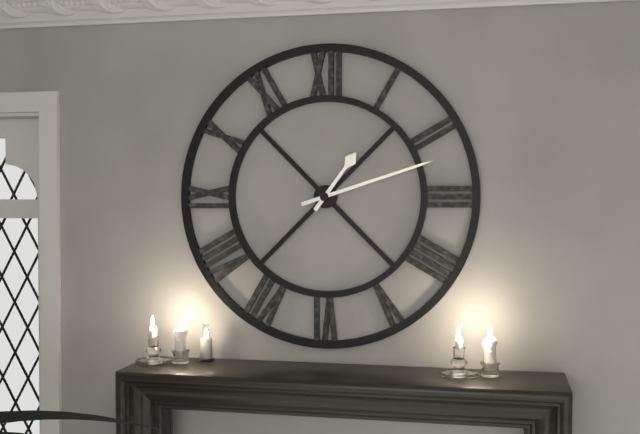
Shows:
1h12
